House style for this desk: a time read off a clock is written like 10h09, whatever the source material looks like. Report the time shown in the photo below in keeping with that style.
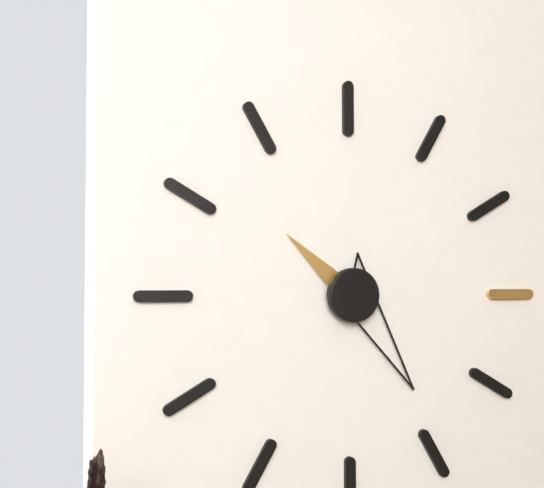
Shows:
10h24
